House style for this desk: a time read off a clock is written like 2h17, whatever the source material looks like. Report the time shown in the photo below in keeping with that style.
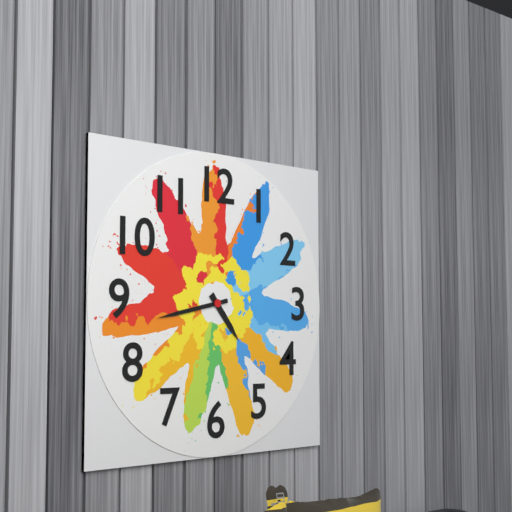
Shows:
4h43
